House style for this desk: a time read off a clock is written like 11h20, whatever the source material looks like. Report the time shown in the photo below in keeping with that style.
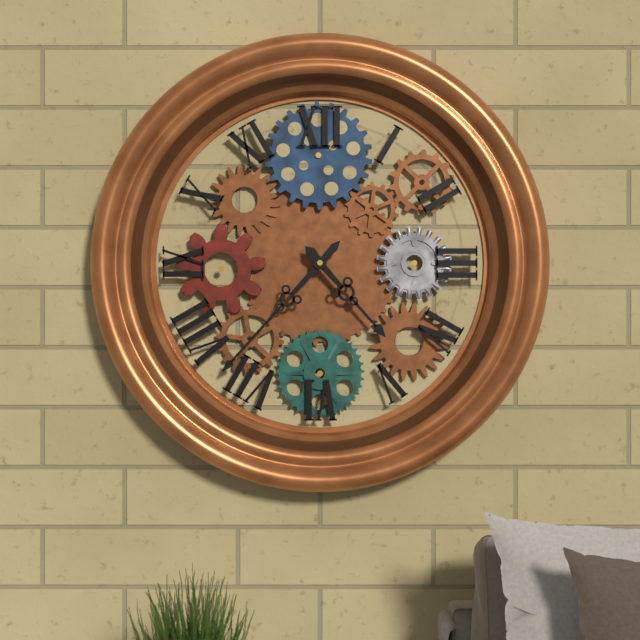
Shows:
4h37
